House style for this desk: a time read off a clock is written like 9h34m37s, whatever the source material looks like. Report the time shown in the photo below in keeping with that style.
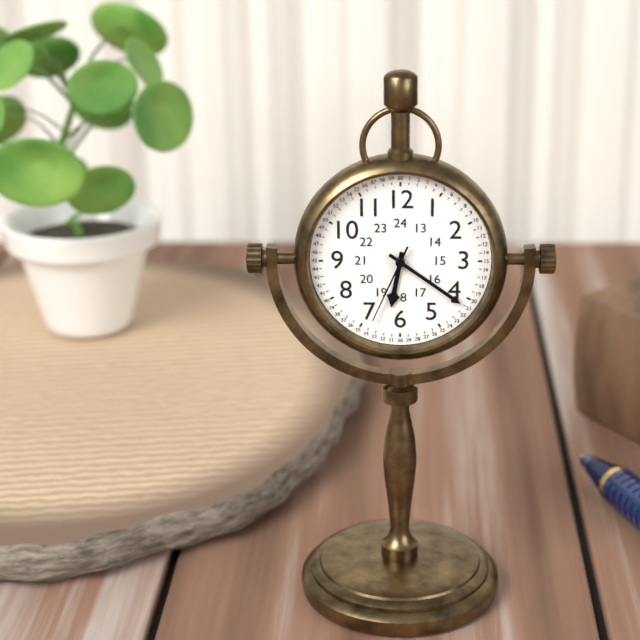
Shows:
6h21m34s
